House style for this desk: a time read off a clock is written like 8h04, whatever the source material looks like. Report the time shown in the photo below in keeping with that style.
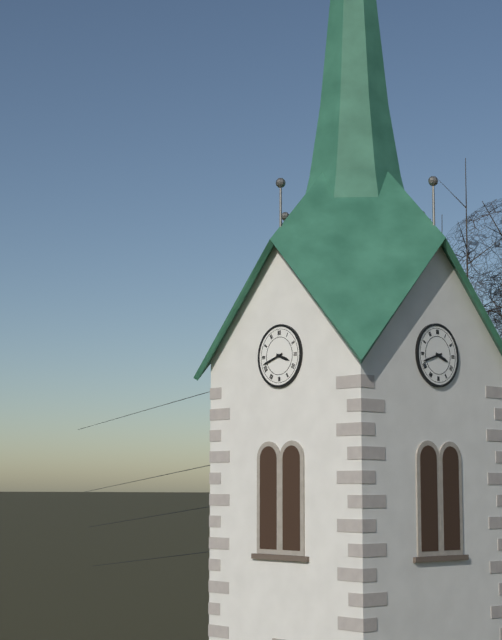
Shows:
3h42
